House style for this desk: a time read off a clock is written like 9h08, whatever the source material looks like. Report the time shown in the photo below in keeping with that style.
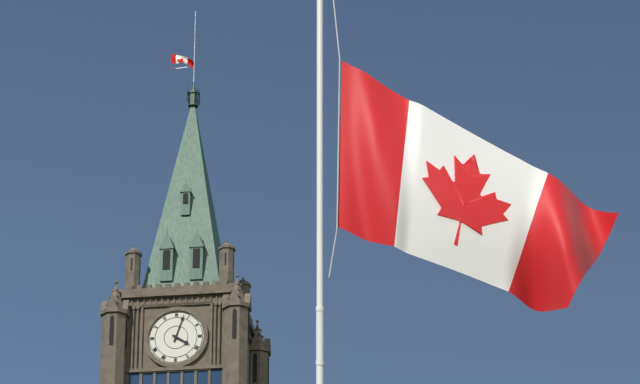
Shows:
4h03
